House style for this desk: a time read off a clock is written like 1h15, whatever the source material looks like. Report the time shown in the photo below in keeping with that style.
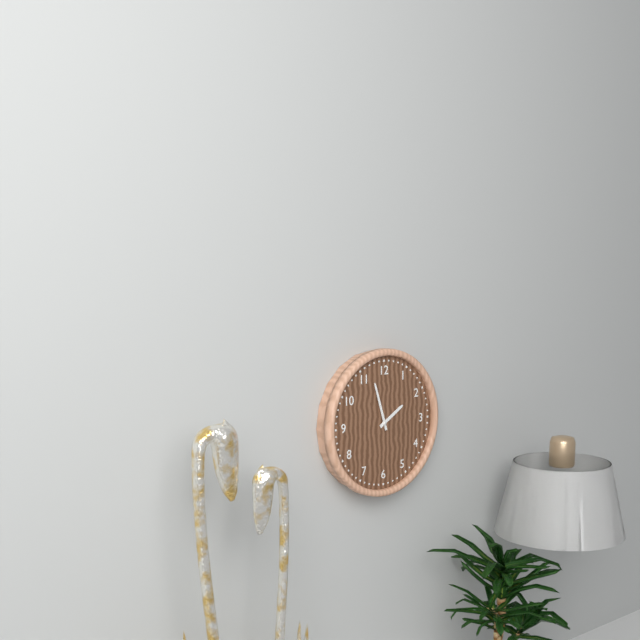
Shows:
1h57
